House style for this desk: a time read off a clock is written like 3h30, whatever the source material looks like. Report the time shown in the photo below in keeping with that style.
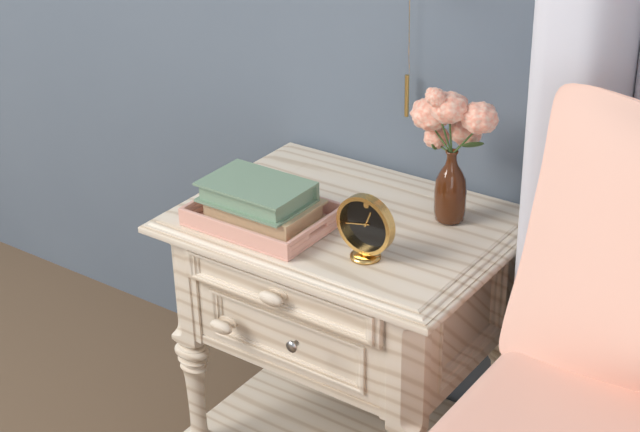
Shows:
12h43
